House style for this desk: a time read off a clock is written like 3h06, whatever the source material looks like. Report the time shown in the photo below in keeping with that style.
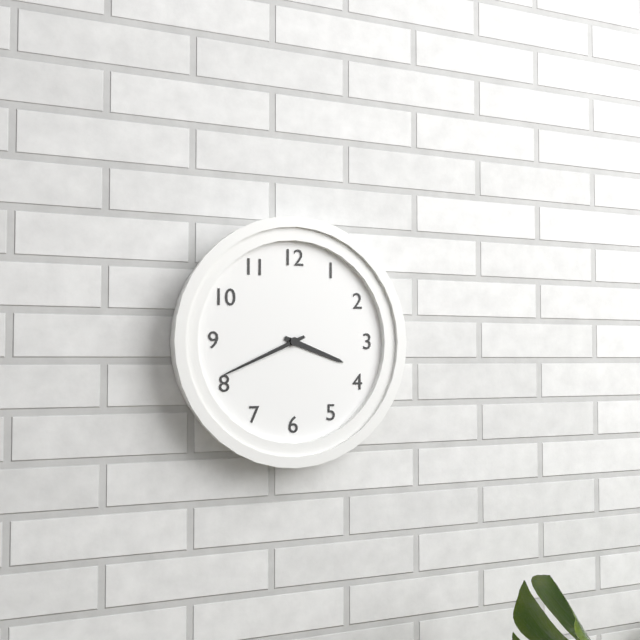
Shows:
3h41
